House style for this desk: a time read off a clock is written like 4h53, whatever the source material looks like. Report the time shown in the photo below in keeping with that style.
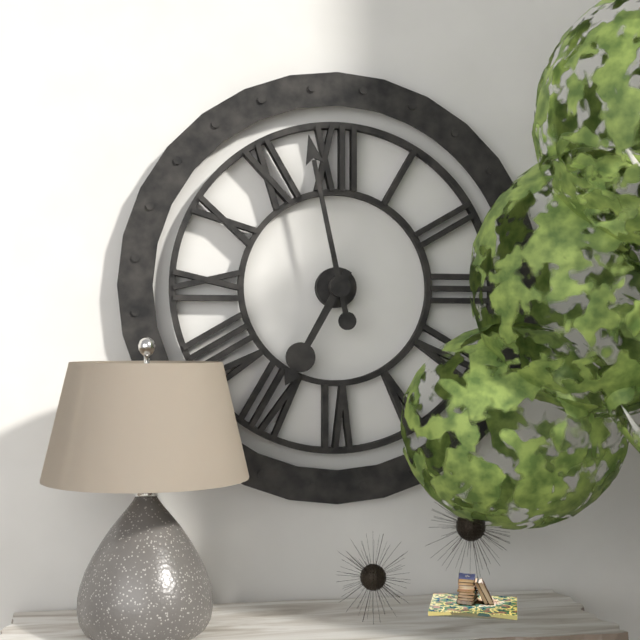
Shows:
6h58
